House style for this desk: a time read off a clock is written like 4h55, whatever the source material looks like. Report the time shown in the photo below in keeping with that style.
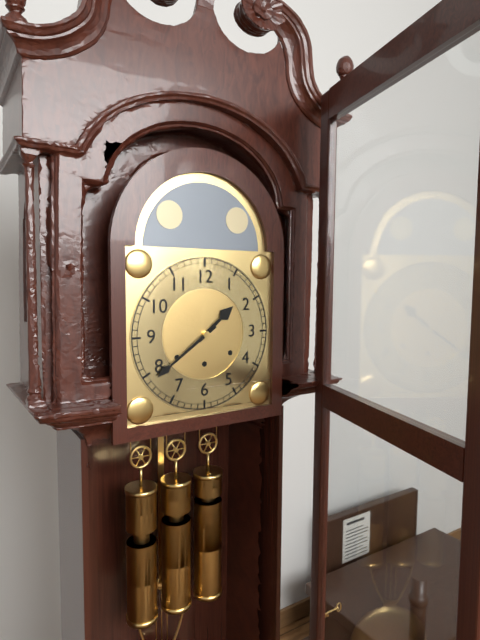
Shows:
1h39
